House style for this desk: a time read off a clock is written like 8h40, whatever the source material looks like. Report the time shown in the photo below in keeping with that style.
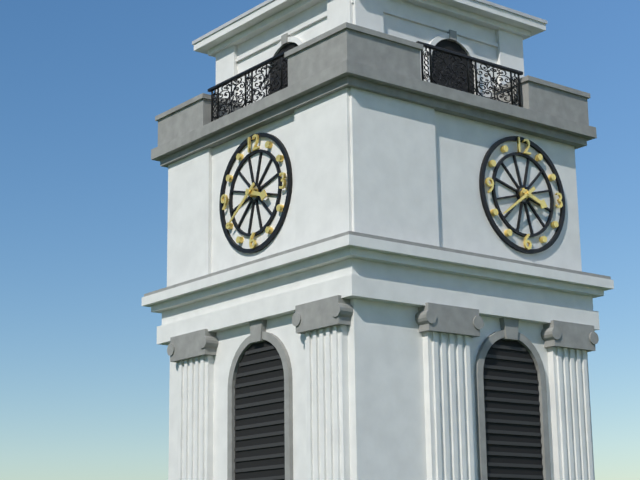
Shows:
3h39
